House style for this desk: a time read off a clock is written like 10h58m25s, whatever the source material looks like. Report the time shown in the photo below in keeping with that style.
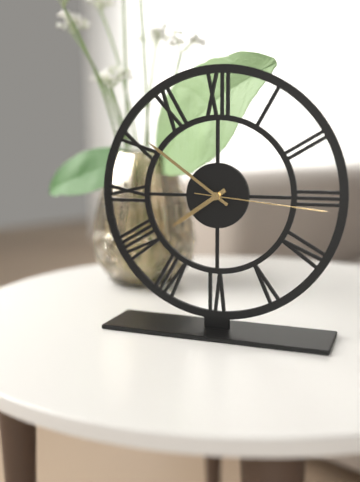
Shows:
7h51m16s
